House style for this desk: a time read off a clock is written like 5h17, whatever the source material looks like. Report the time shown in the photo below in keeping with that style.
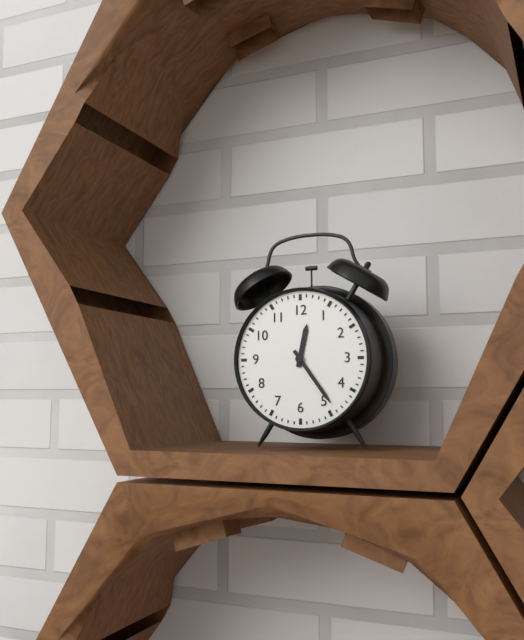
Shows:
12h24
